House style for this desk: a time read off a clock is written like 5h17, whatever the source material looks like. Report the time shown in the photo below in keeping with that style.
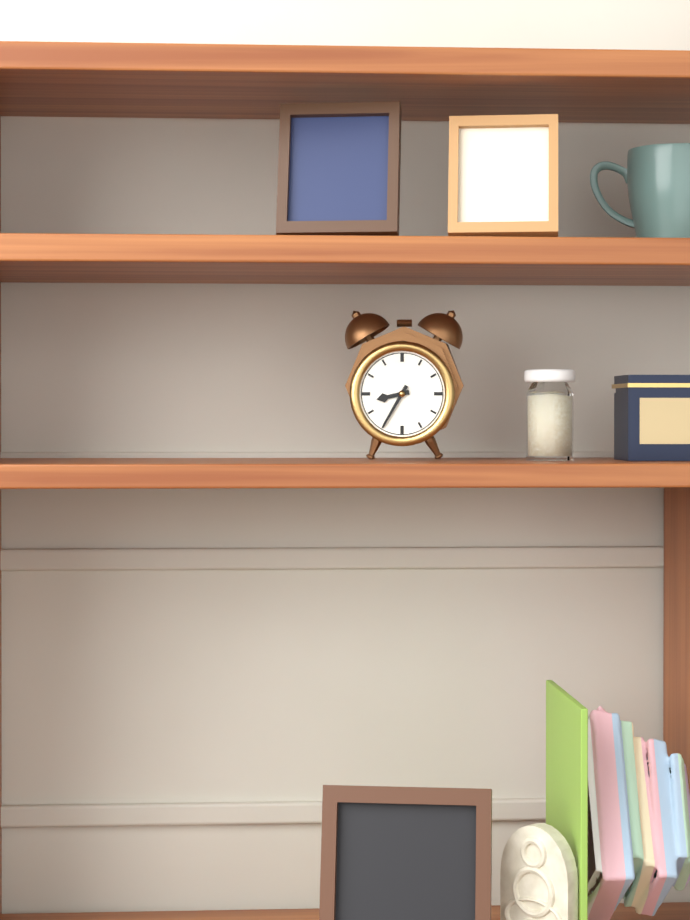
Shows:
8h35
